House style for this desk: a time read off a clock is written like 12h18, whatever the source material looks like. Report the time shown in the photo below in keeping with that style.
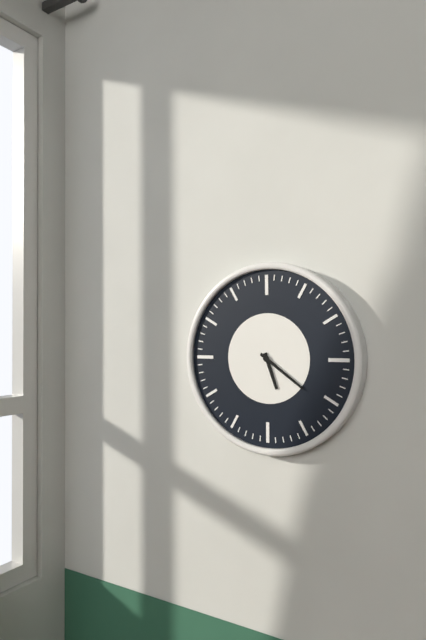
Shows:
5h21
